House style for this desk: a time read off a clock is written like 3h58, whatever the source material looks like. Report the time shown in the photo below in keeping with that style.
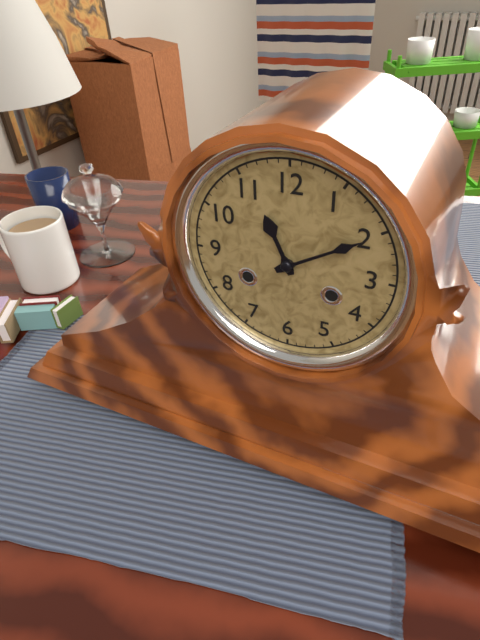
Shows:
11h10
